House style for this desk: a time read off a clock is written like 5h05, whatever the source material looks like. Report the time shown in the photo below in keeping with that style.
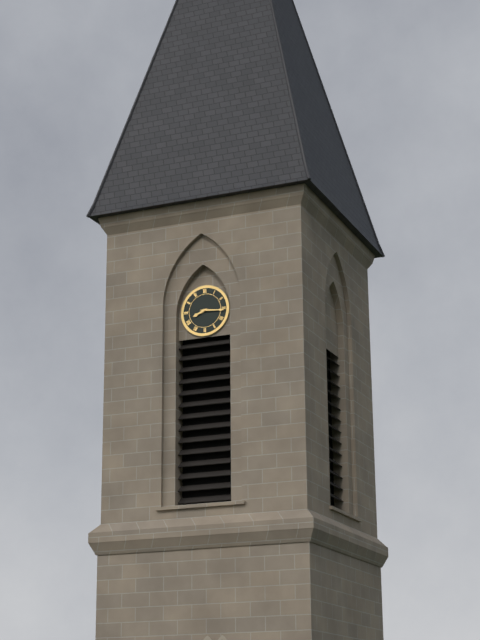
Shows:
8h16
